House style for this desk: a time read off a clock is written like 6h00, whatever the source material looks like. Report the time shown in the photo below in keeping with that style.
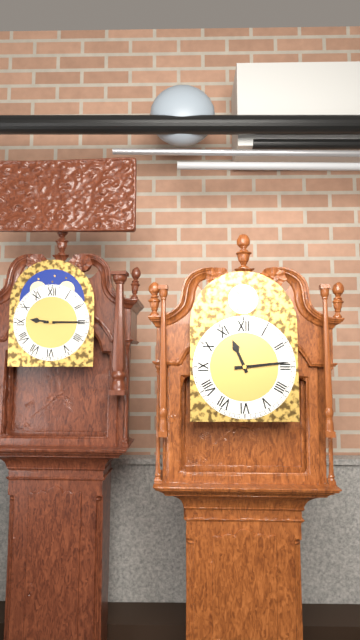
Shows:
11h14
